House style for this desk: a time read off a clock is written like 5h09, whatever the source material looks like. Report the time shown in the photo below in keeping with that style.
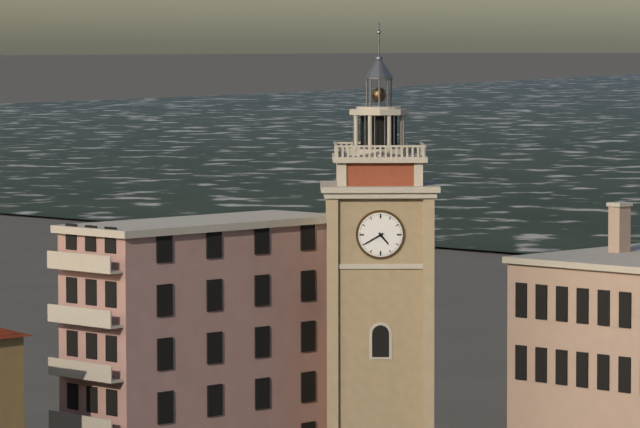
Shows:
4h40
